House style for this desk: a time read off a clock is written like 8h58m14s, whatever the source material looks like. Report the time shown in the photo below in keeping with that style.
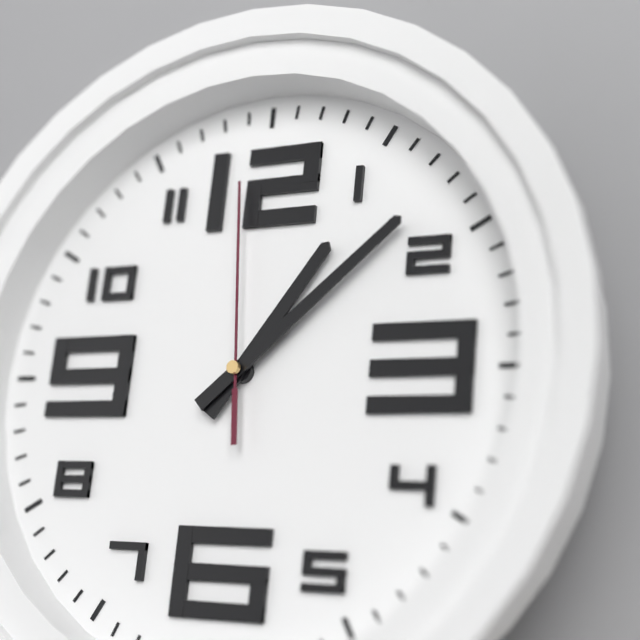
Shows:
1h08m59s
